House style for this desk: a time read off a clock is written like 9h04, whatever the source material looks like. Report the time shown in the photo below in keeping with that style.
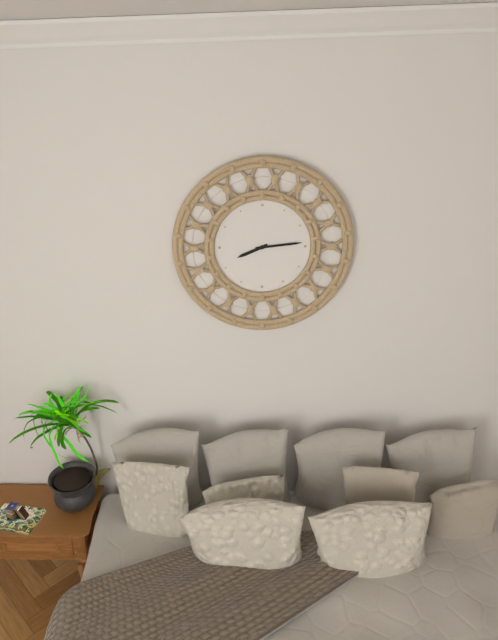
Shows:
8h14
